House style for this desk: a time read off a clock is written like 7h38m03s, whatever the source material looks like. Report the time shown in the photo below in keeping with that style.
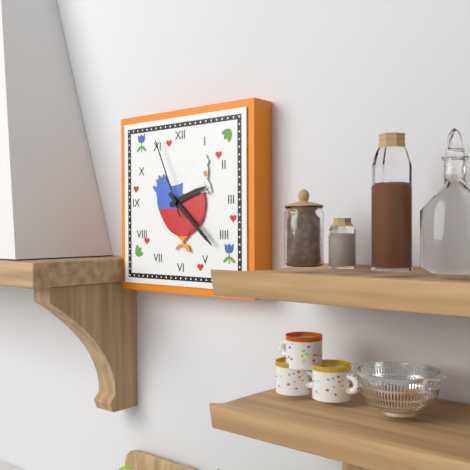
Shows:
2h22m56s
